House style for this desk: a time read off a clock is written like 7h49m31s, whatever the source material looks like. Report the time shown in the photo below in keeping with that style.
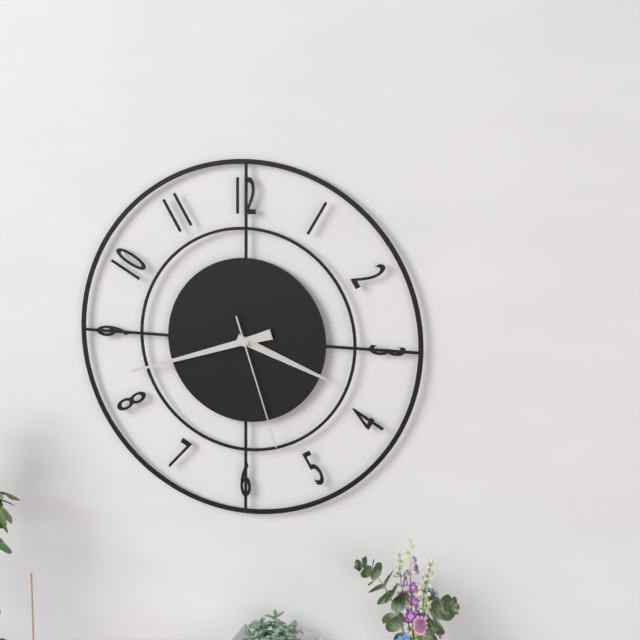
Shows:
3h42m27s
